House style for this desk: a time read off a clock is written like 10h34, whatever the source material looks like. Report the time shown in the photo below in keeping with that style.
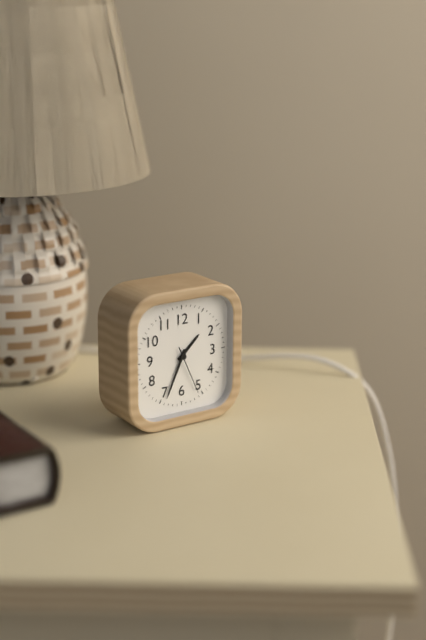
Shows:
1h34
